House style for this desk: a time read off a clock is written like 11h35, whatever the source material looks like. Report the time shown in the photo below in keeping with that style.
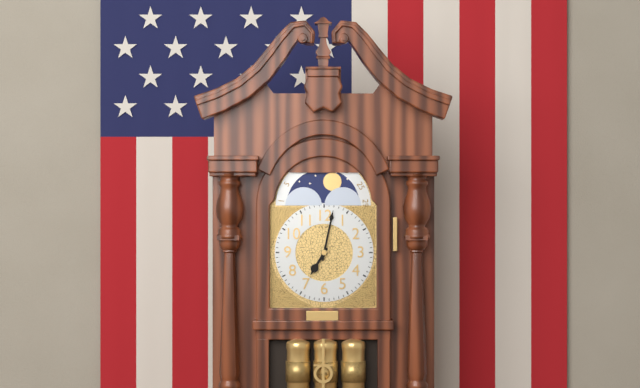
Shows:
7h02
